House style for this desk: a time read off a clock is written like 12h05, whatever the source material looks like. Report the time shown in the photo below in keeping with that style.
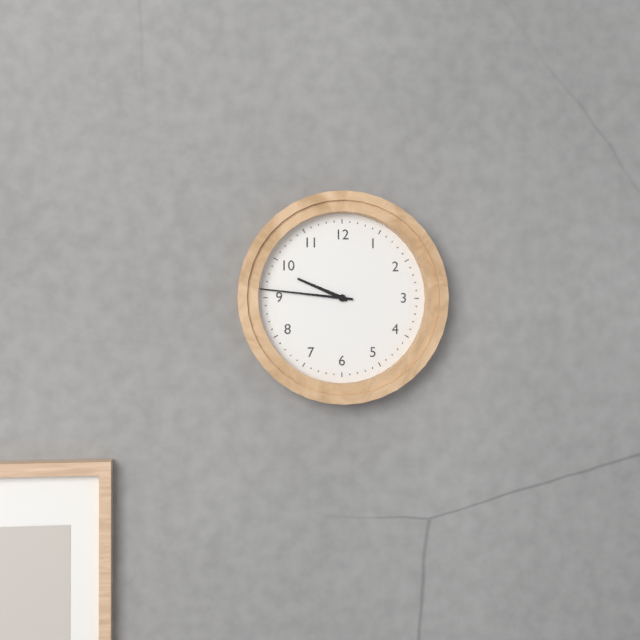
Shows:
9h46
